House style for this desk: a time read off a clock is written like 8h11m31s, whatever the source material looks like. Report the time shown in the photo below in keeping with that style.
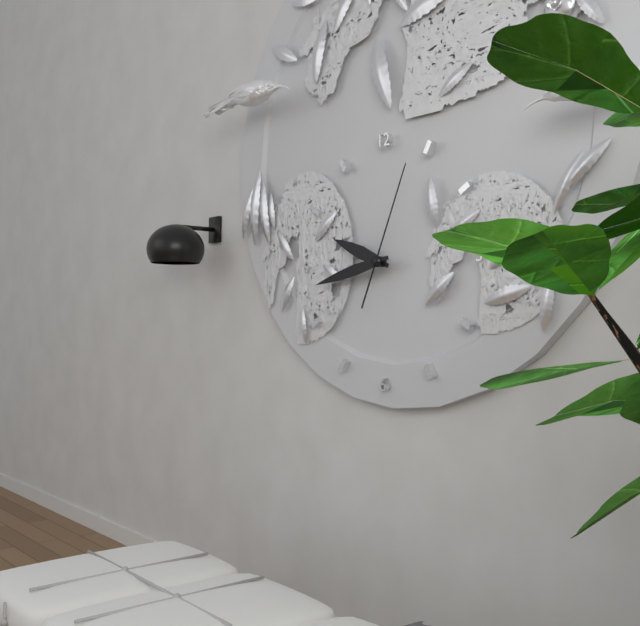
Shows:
9h43m04s
